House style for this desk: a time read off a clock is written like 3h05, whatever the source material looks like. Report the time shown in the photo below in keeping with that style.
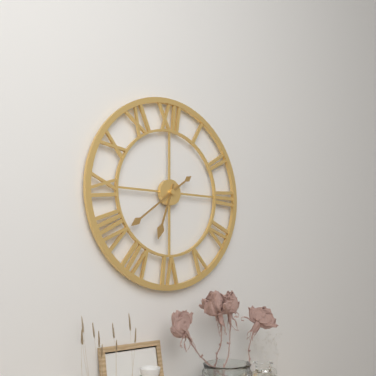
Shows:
6h39
